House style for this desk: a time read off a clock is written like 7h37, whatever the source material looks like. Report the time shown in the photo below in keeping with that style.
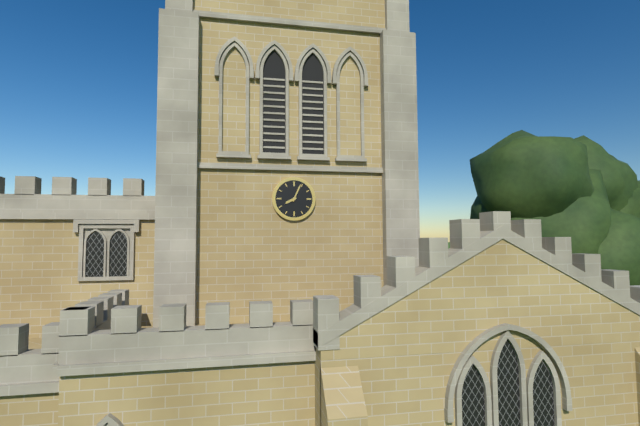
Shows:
8h04
